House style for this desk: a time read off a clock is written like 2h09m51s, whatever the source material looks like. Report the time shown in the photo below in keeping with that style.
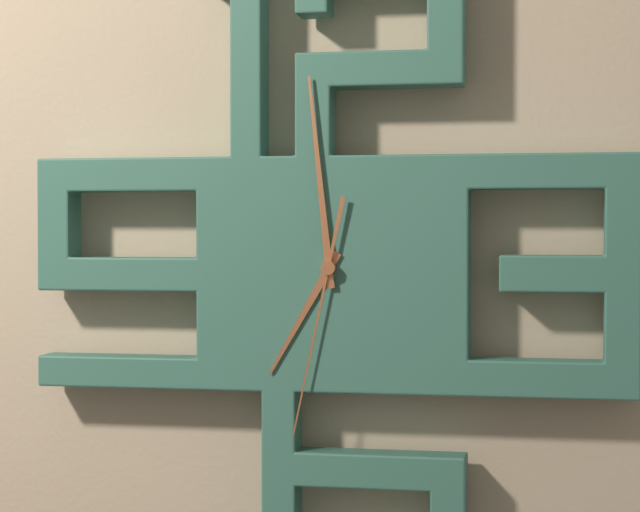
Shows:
6h59m32s
